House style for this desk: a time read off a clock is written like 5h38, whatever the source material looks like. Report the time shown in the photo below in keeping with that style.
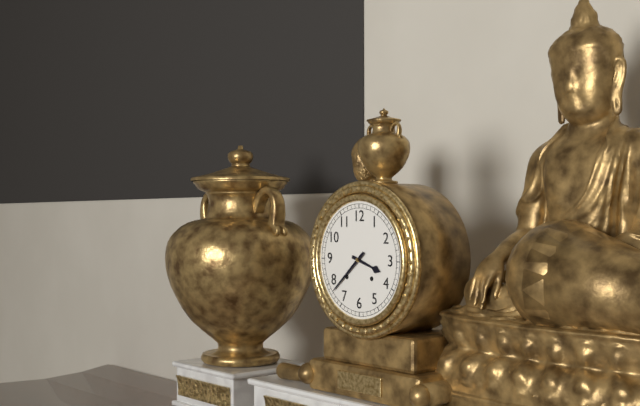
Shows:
3h38
